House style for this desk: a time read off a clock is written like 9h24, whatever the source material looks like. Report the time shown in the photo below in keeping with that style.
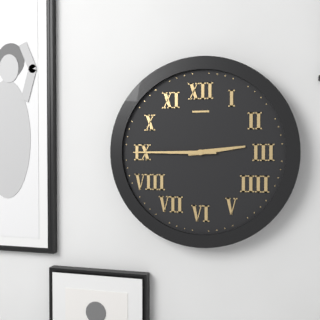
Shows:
2h45
